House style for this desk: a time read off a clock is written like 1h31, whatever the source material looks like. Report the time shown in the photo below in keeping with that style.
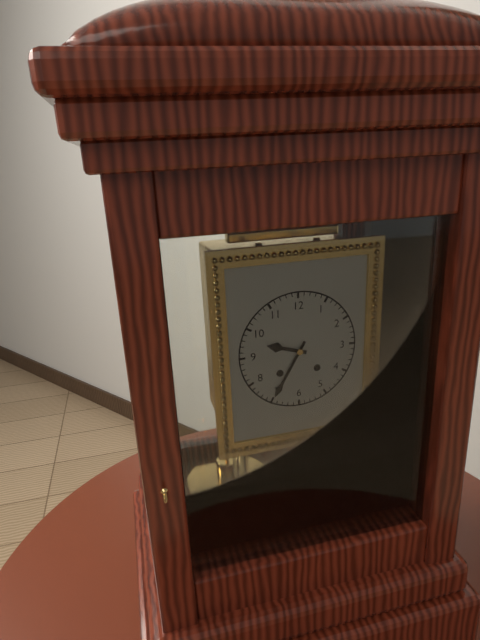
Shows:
9h35
